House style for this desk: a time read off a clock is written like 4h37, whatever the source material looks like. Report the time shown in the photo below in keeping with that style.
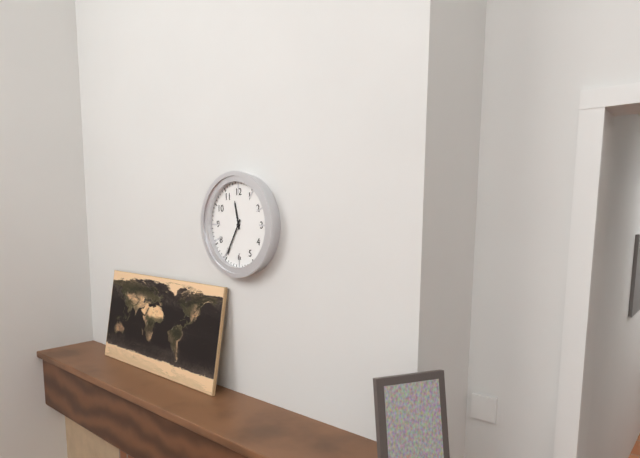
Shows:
11h35
